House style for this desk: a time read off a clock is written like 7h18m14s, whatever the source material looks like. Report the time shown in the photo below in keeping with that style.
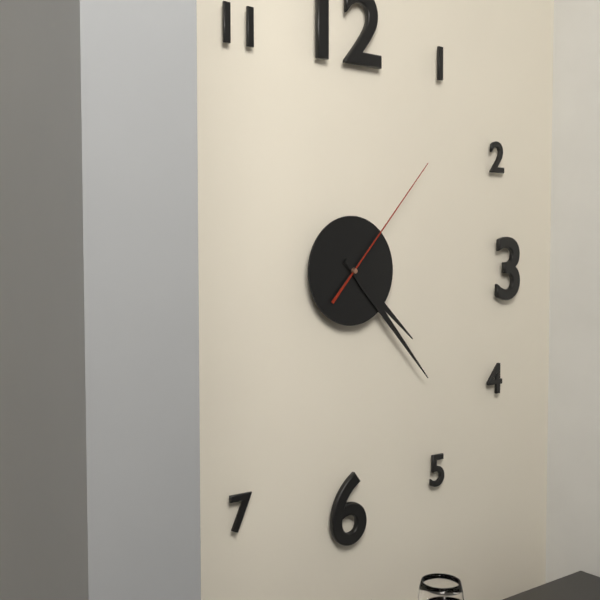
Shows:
4h23m07s
